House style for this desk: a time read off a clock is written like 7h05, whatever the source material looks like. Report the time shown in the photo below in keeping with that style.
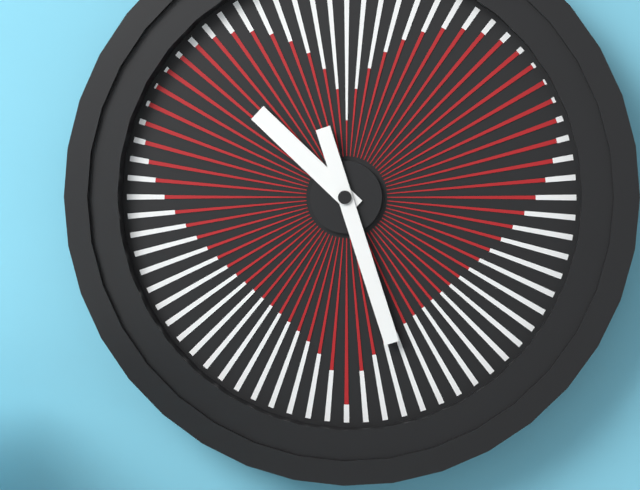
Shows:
10h27
